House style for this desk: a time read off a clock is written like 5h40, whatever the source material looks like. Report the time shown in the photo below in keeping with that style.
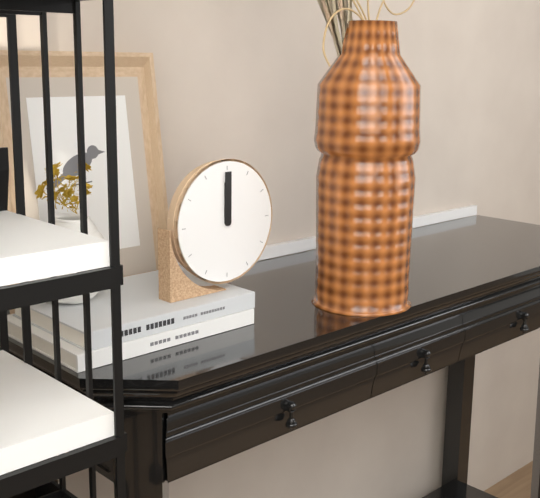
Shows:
12h00
